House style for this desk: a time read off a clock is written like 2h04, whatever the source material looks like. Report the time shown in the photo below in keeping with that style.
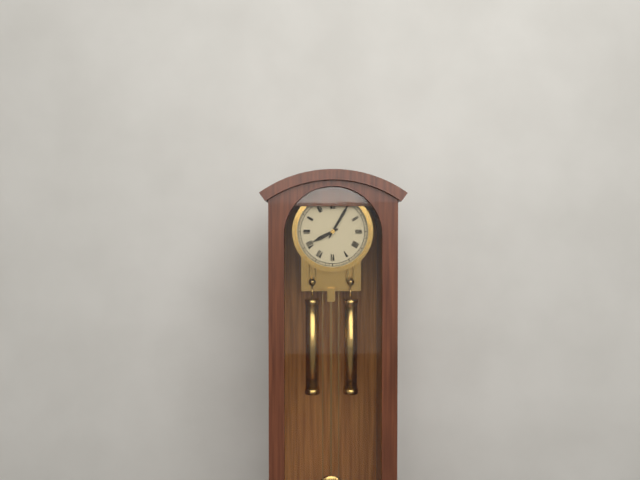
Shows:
8h05
